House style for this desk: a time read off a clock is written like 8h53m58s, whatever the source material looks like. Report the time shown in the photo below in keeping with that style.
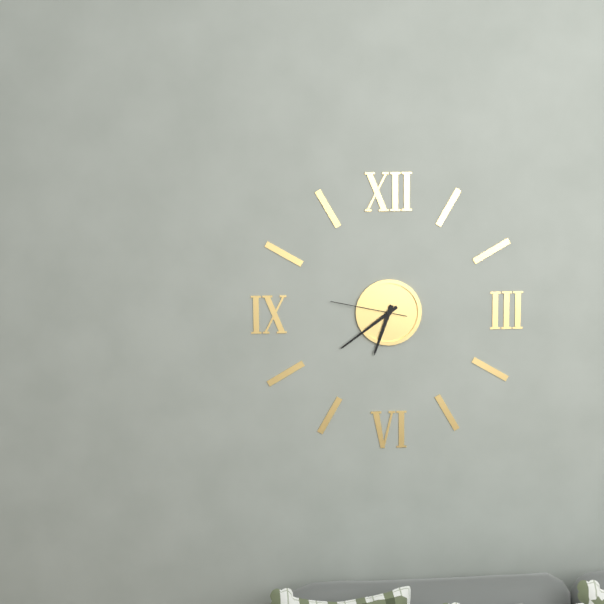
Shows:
6h39m47s
